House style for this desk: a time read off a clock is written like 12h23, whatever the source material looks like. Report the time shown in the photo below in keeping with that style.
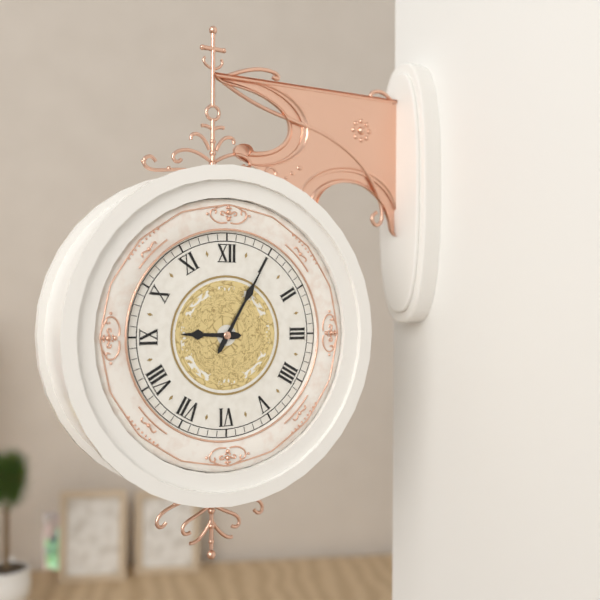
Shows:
9h05
